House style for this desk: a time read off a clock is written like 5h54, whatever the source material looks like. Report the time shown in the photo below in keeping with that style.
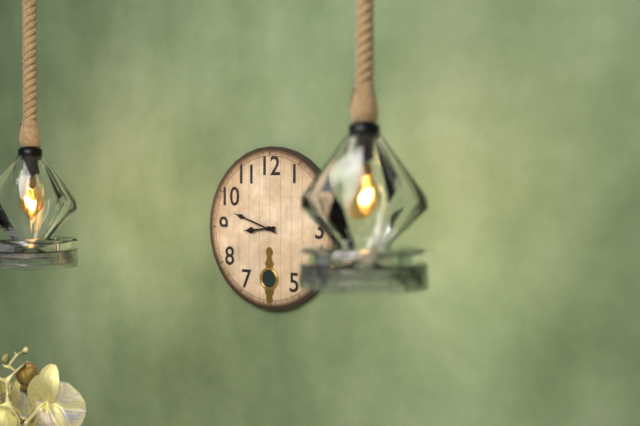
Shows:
8h48
